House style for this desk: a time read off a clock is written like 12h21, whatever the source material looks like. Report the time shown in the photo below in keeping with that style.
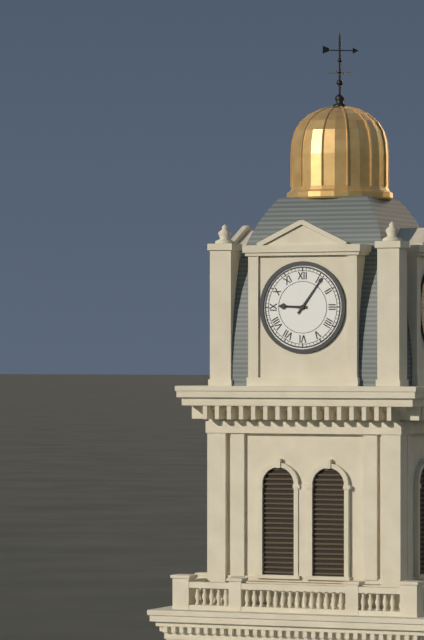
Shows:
9h06
